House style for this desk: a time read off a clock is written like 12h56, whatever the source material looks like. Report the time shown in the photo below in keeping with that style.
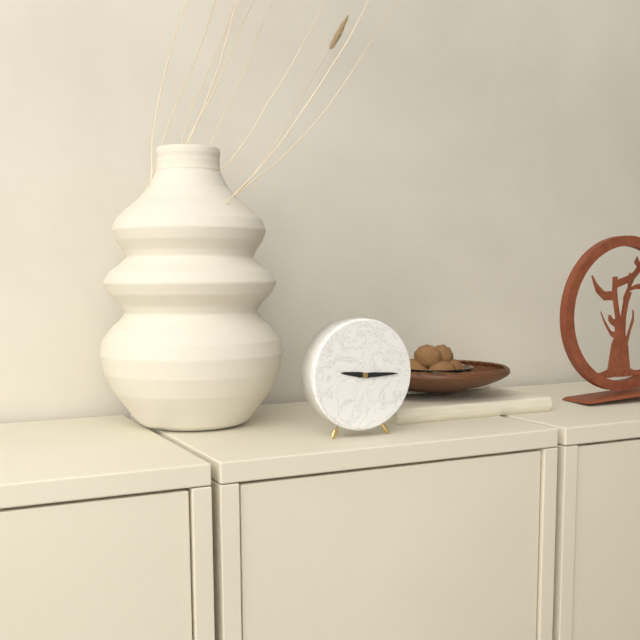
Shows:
9h15
